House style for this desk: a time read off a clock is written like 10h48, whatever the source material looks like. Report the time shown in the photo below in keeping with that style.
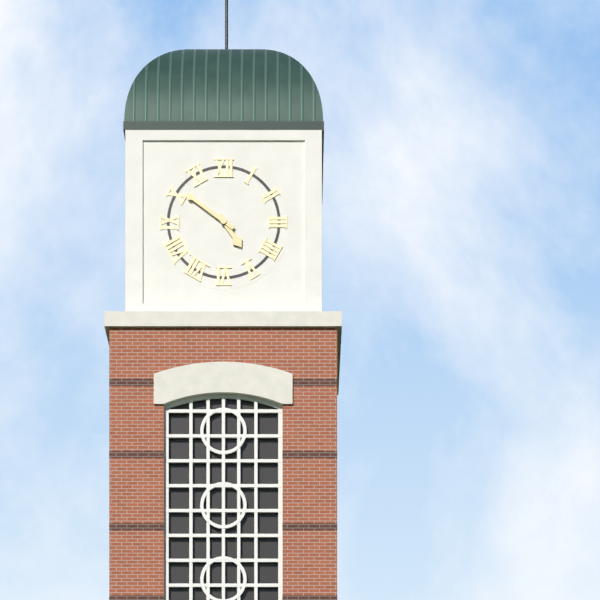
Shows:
4h51
